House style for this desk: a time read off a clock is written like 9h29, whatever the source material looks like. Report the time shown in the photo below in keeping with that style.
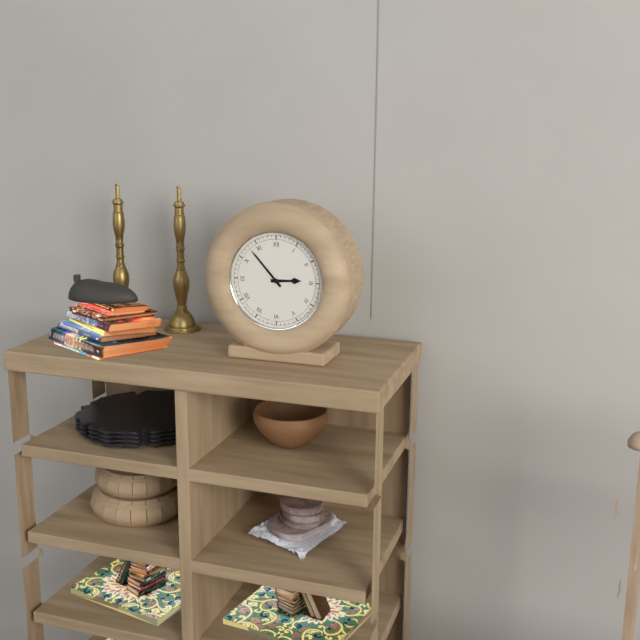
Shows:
2h53
